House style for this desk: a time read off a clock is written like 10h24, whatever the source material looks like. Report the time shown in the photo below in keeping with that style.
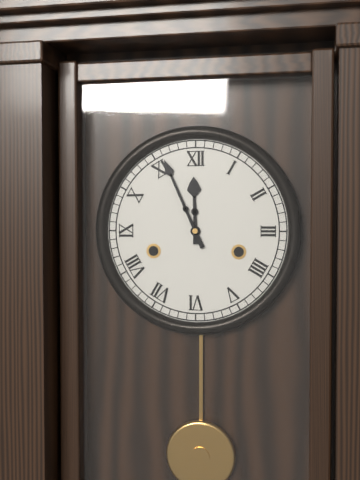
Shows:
11h56
